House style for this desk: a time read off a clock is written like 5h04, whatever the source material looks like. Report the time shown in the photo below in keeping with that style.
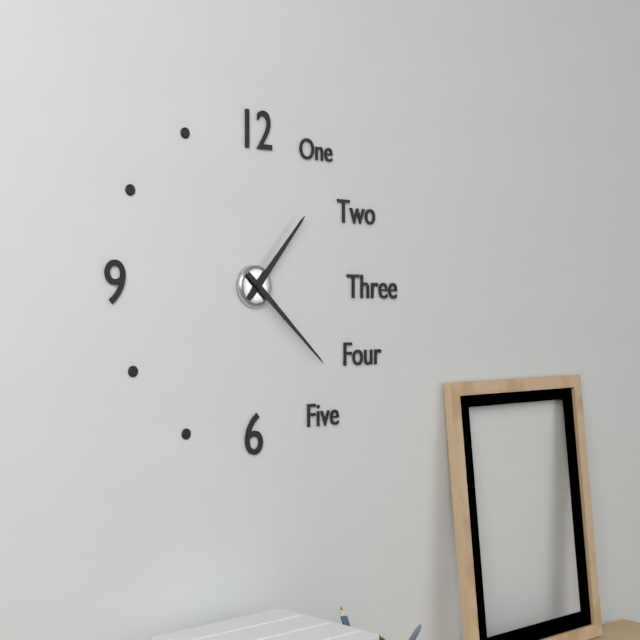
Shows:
1h22
